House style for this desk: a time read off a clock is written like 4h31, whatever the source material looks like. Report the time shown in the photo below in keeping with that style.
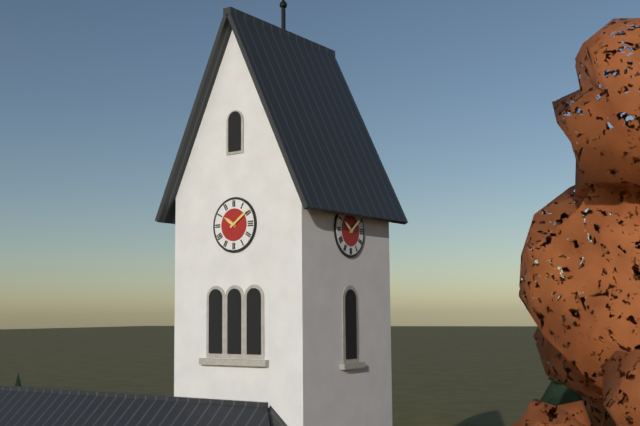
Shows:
10h09
